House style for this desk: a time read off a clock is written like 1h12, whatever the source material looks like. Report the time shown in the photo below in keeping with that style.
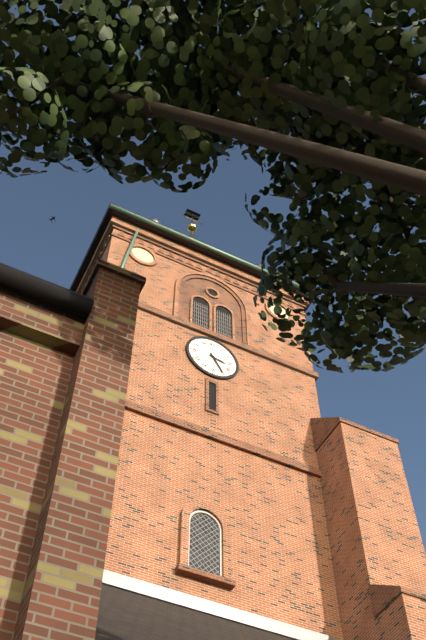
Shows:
3h25
